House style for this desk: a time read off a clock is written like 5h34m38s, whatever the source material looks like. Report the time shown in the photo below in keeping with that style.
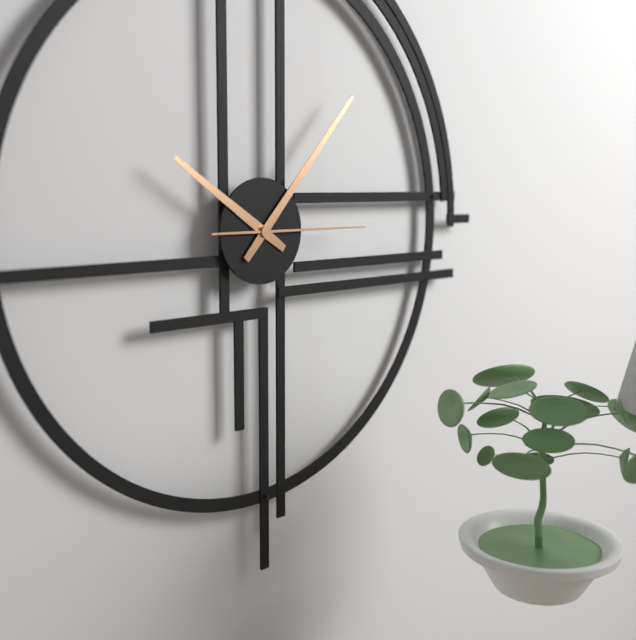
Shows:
10h07m15s
